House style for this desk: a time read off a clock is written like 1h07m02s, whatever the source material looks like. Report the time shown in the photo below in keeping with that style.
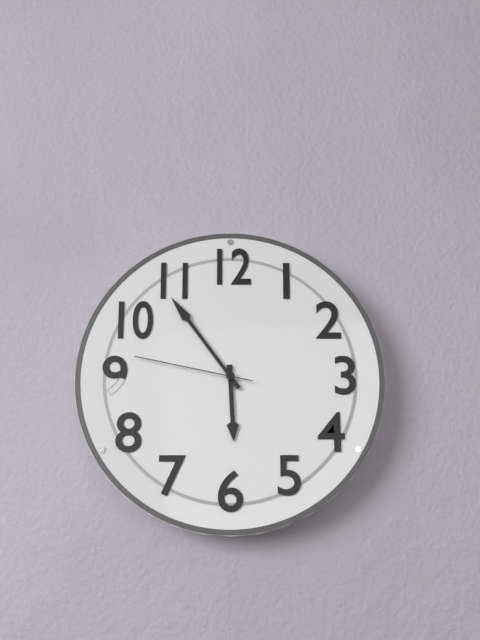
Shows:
5h54m47s
